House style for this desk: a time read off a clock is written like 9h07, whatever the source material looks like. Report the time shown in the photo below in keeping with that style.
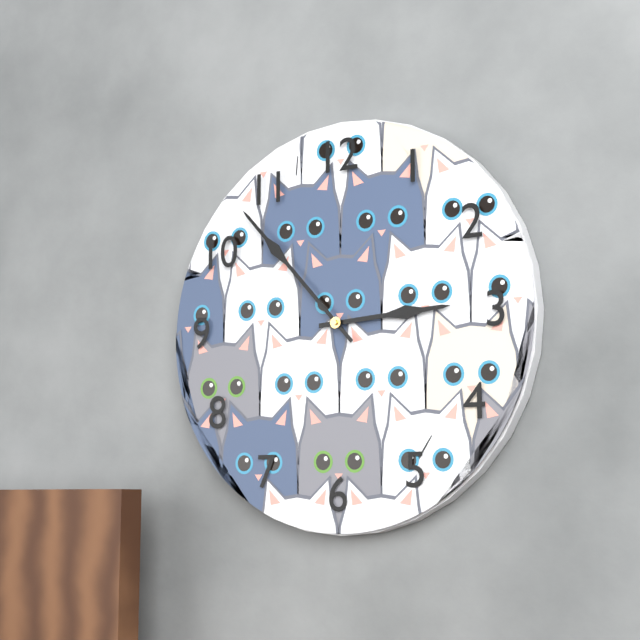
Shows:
2h53
